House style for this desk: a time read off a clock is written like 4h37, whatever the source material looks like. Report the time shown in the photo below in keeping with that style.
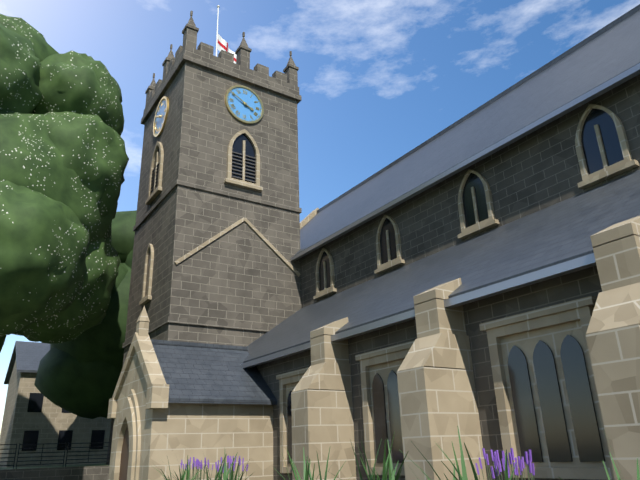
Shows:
3h50
